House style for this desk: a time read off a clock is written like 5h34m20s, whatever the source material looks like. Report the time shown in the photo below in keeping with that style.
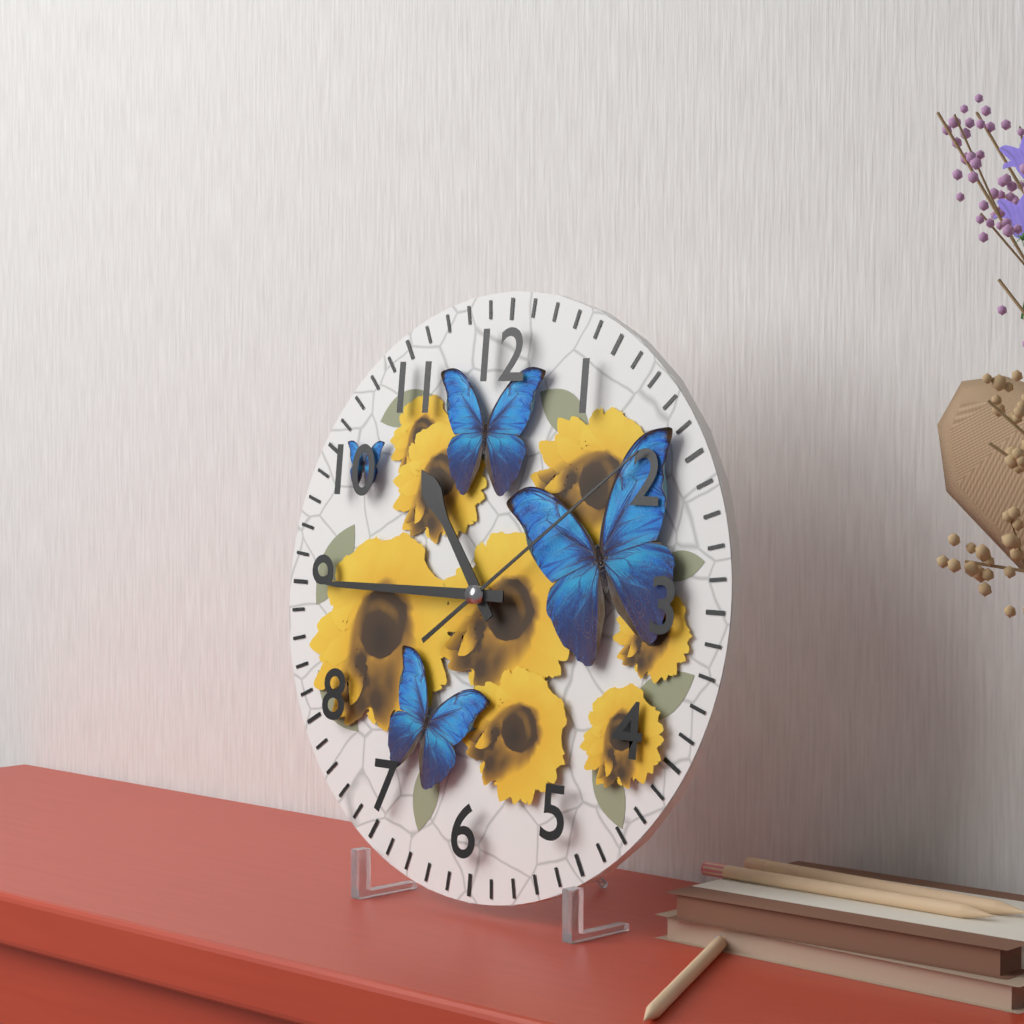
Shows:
10h45m09s
